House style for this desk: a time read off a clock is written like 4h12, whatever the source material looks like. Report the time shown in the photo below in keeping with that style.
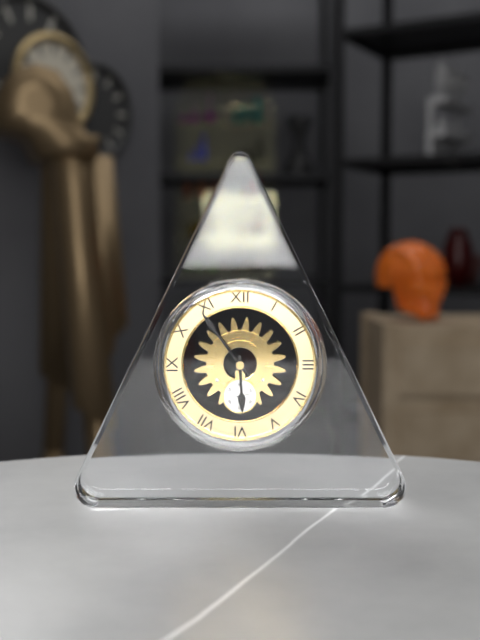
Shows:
5h54
